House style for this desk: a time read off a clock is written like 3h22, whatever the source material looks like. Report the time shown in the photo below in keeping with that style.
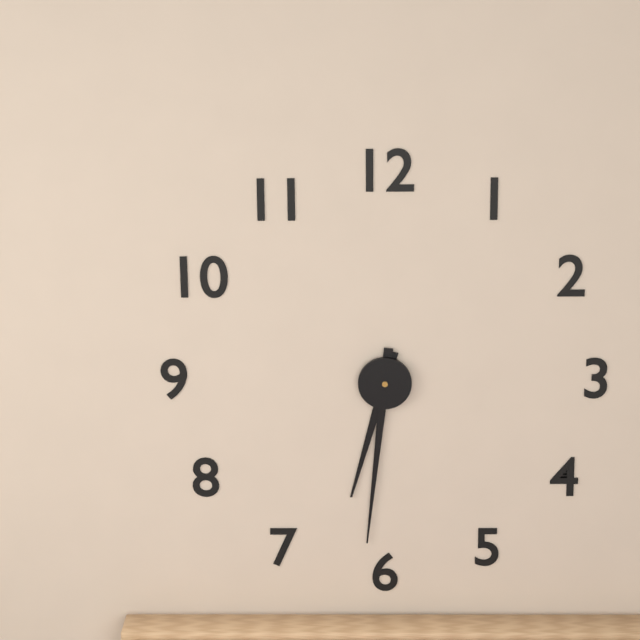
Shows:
6h31
